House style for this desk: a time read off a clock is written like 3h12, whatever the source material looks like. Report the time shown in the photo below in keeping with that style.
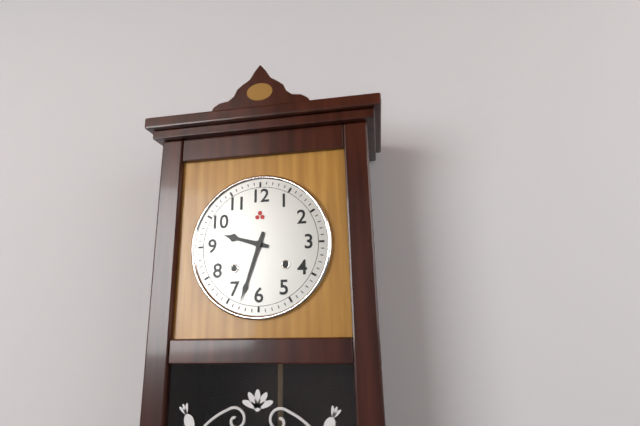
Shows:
9h33
